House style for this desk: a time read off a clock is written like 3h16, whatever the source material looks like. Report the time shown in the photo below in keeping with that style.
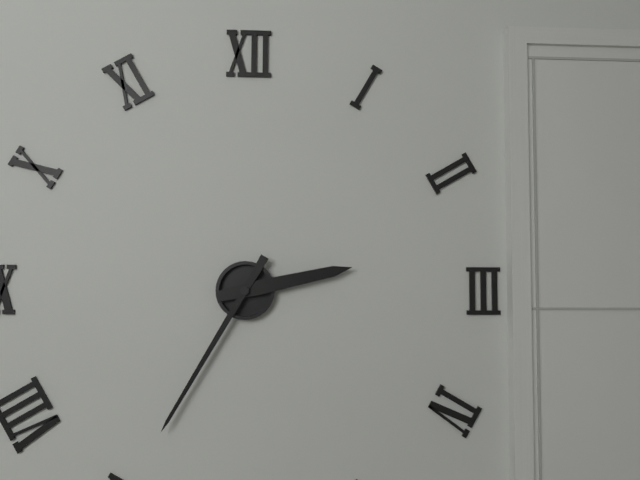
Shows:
2h35
